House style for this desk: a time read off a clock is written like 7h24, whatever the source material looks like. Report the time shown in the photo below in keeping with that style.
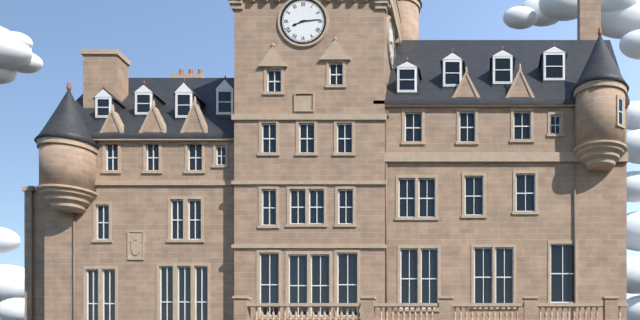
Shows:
8h14
